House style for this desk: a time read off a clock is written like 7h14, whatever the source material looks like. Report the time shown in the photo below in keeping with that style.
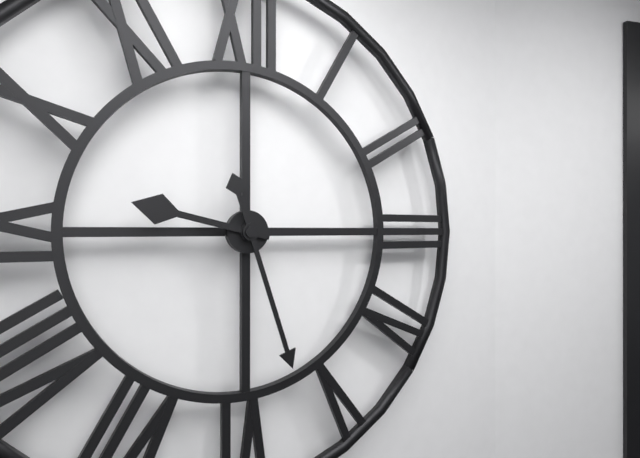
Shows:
9h27
